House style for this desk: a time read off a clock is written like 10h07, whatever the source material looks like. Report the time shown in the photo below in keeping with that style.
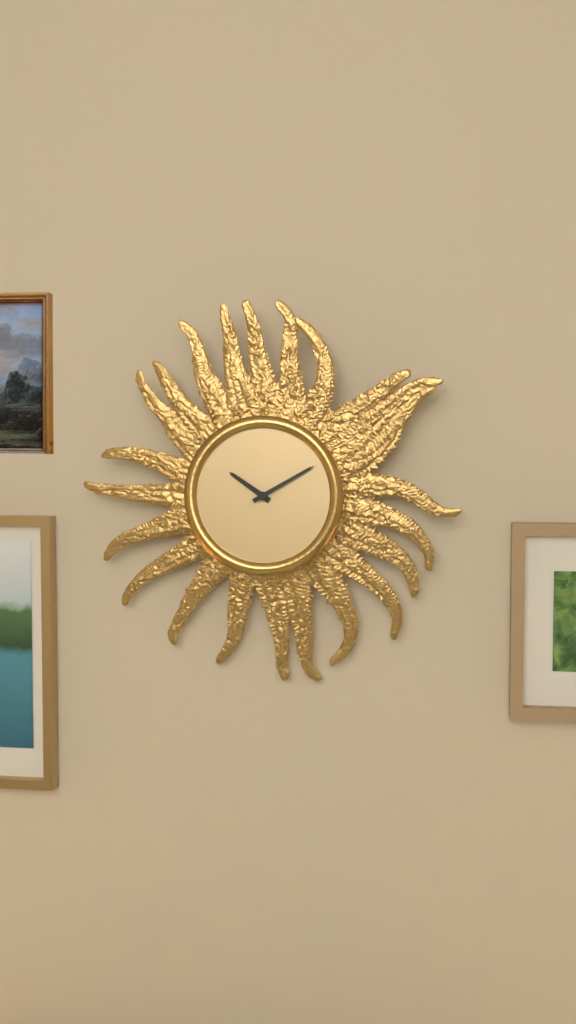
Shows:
10h10
